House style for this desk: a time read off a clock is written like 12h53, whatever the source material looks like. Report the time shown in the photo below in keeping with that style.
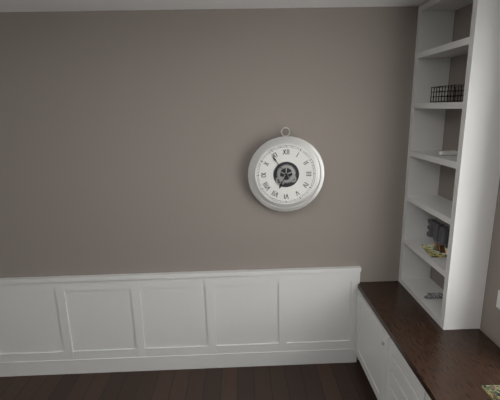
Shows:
6h54
